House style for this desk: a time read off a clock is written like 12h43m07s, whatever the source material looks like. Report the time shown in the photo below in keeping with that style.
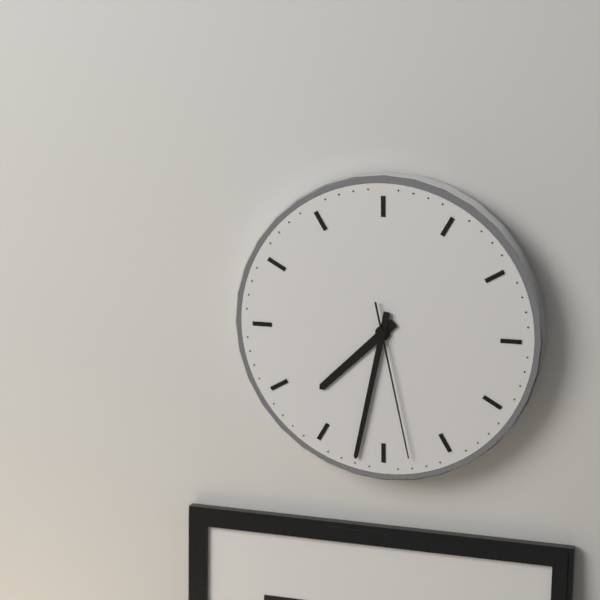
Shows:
7h32m28s
